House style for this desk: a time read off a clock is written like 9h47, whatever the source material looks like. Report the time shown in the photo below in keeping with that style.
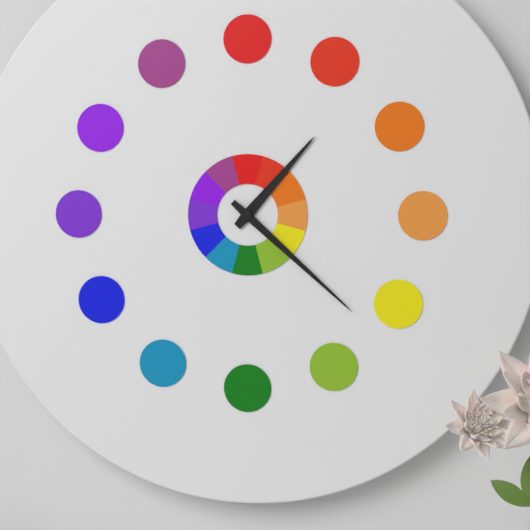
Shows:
1h22
